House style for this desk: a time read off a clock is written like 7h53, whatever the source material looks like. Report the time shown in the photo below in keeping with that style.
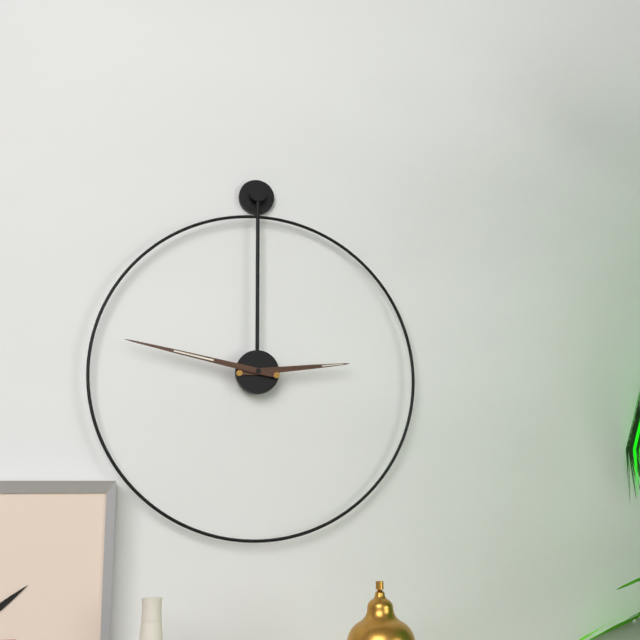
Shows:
2h47
